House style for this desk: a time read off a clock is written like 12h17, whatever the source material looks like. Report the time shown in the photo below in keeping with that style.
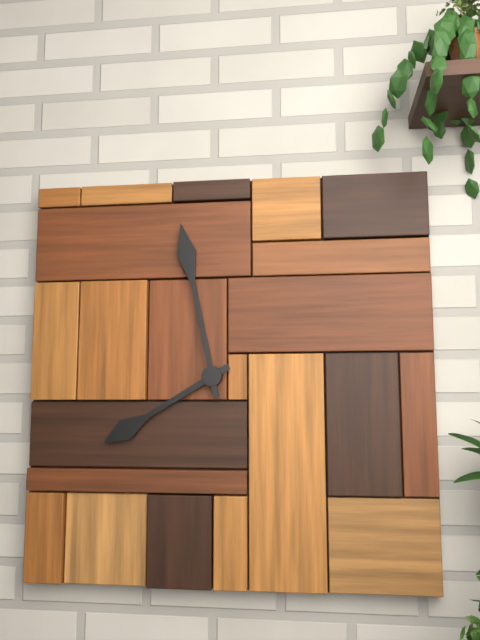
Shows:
7h58
